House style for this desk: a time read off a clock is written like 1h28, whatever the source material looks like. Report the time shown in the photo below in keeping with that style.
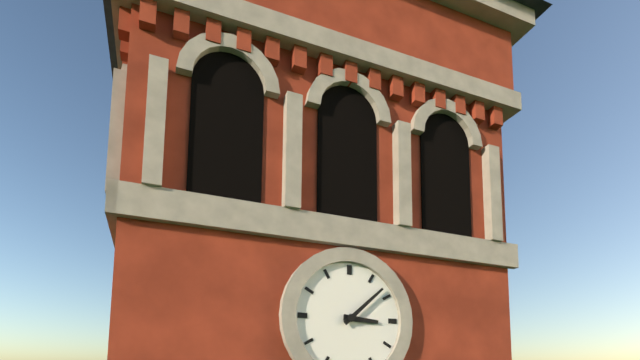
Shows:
3h08
